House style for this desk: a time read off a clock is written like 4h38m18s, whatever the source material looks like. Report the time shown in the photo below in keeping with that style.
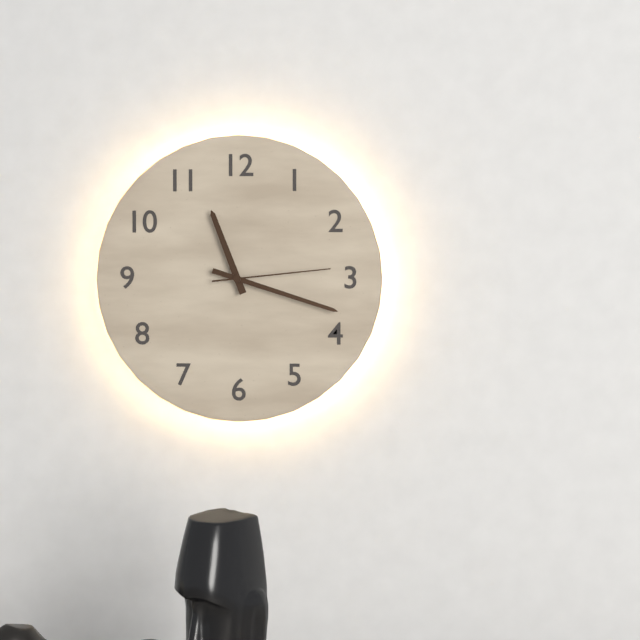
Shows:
11h18m14s
